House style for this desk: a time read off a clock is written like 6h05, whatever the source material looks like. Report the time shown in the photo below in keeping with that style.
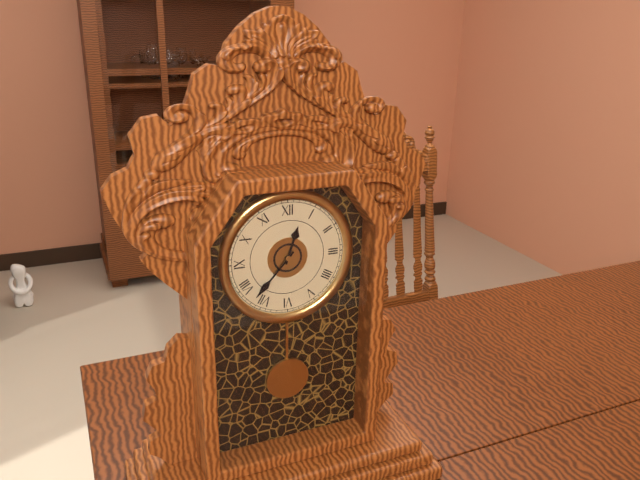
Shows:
12h37
